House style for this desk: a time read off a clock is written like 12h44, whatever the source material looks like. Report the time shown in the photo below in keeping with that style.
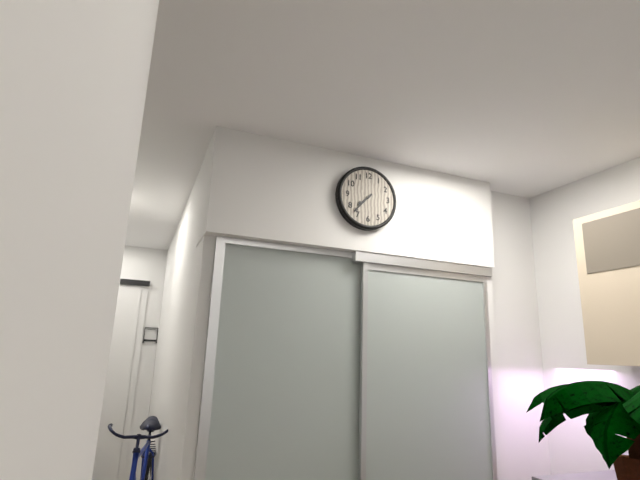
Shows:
7h37
